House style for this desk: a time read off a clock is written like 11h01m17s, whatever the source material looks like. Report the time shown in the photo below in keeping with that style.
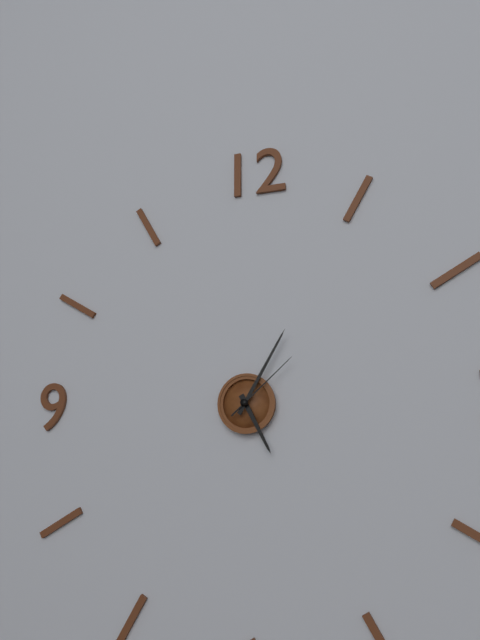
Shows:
5h05m08s
